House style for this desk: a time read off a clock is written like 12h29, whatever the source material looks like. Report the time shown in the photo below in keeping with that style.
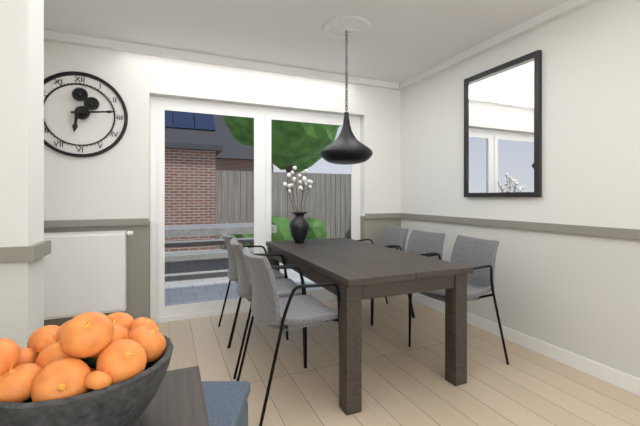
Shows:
6h14
